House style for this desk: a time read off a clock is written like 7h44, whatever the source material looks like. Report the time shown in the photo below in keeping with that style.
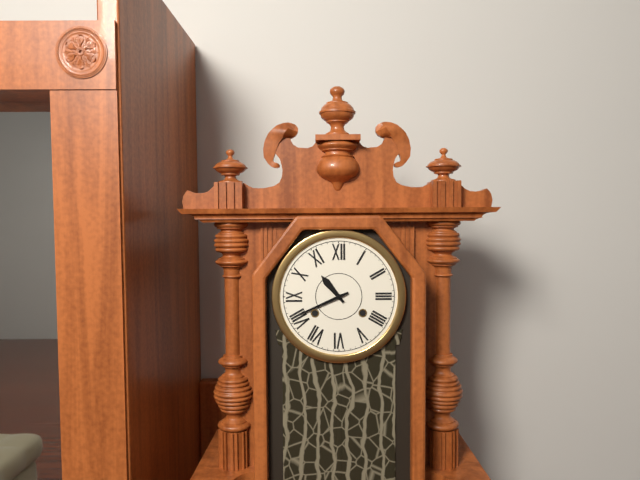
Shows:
10h41
